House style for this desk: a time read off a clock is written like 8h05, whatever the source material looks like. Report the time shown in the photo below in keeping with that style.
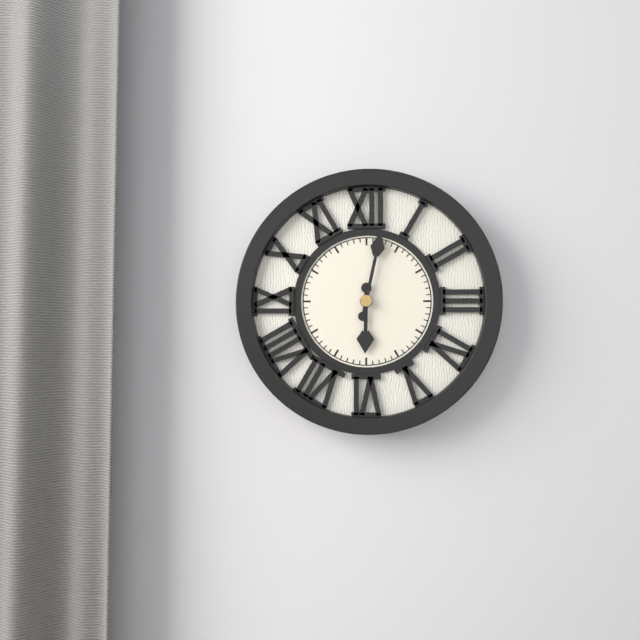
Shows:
6h02
